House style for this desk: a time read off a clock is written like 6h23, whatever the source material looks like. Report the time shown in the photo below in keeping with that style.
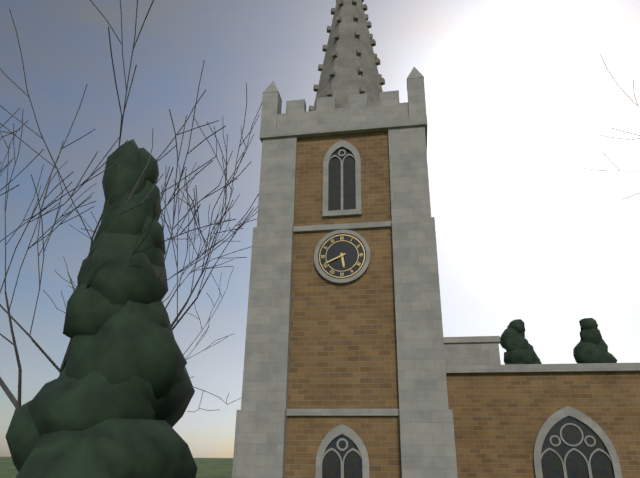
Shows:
5h41
